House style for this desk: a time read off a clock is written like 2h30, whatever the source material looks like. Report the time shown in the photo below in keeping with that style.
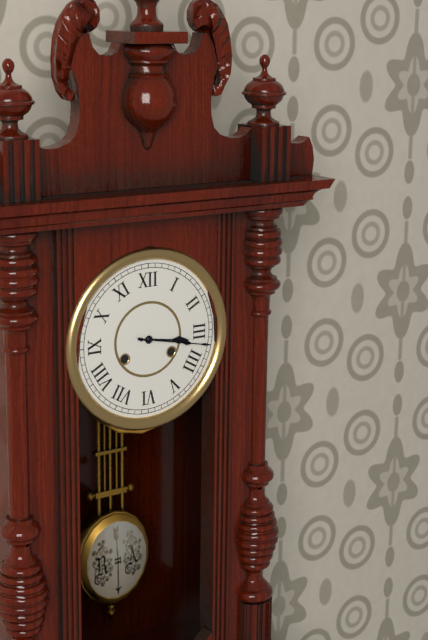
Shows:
3h17
